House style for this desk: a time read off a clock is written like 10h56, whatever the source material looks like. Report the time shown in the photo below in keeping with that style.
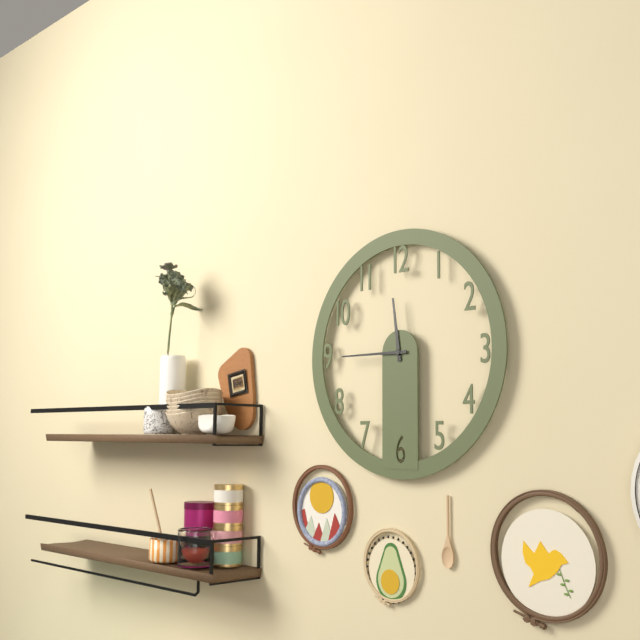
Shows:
11h45
